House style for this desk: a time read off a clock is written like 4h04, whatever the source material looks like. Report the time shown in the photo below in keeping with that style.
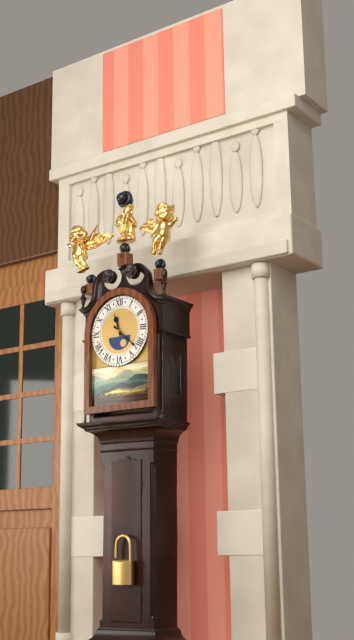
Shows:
11h22
